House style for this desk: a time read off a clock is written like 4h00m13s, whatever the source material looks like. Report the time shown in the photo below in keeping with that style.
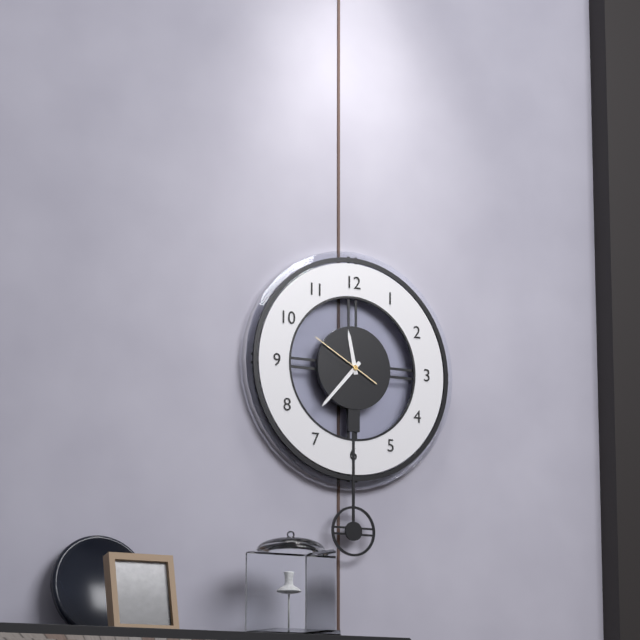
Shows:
11h37m50s
